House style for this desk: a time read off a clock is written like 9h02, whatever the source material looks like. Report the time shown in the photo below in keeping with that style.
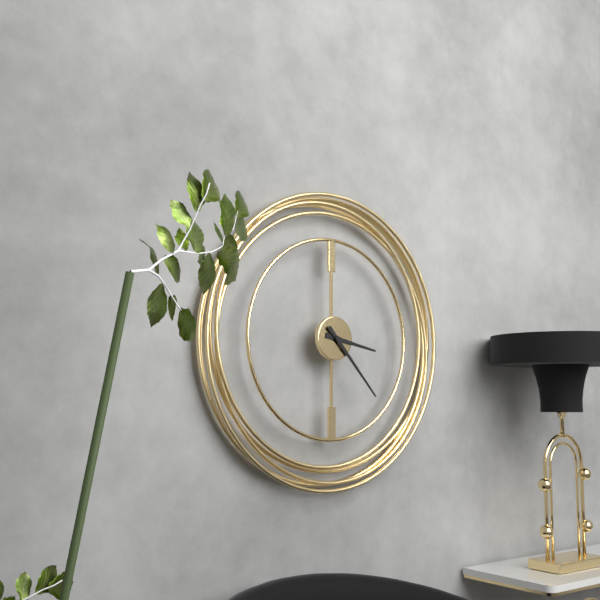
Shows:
3h23
